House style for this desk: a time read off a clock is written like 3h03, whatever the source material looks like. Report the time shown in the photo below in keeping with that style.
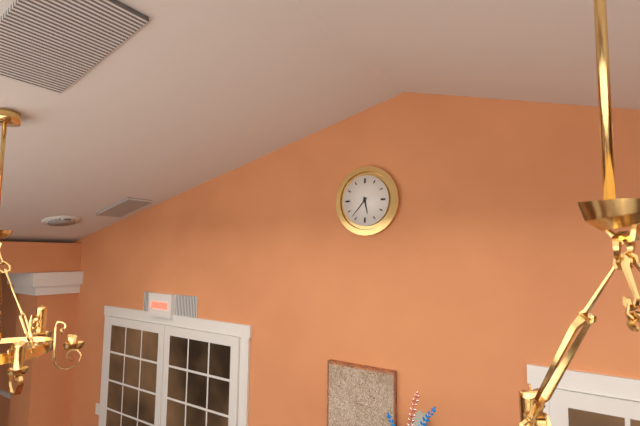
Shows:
5h37
